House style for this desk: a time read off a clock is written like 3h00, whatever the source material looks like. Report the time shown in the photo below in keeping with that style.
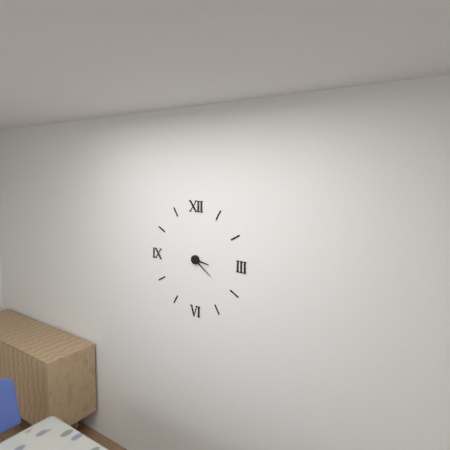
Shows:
3h21
